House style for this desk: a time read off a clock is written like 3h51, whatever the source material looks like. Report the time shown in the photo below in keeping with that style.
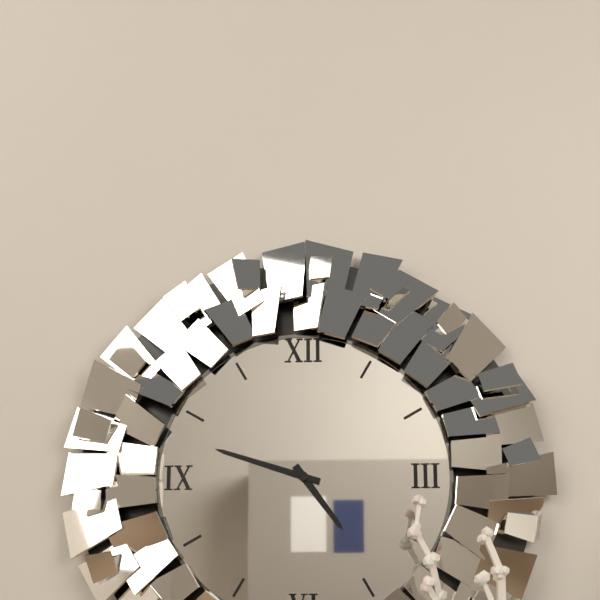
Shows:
4h48
